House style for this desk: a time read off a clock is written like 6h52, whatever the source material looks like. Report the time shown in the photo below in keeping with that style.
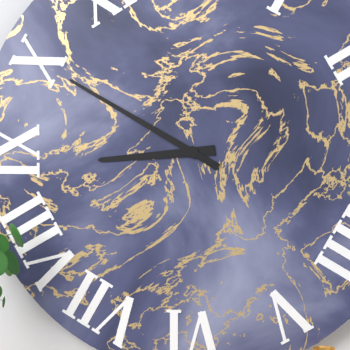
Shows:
8h50
